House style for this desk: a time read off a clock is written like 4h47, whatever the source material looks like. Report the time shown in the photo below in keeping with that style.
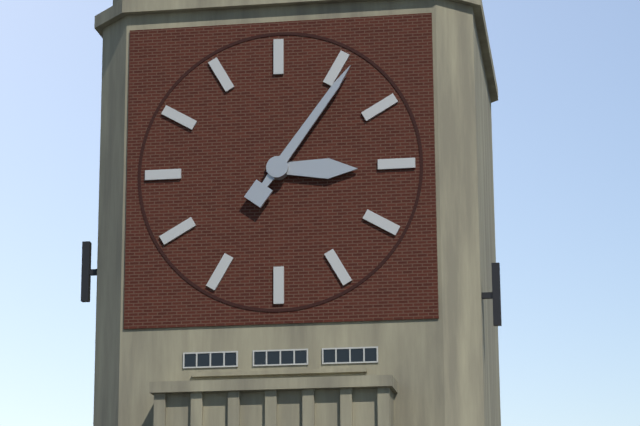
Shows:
3h06
